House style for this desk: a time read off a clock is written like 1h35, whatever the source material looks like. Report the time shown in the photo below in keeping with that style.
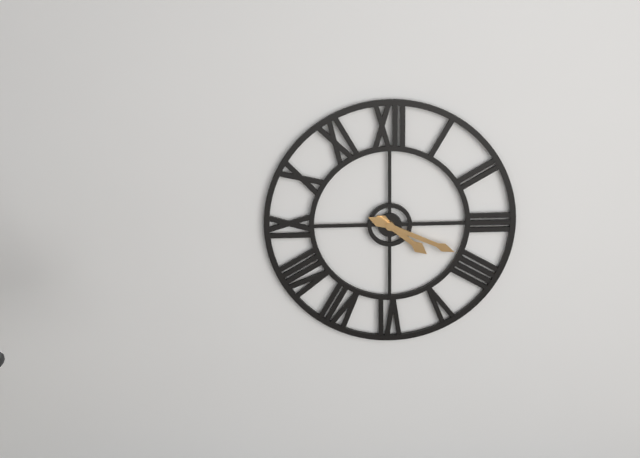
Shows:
4h19
